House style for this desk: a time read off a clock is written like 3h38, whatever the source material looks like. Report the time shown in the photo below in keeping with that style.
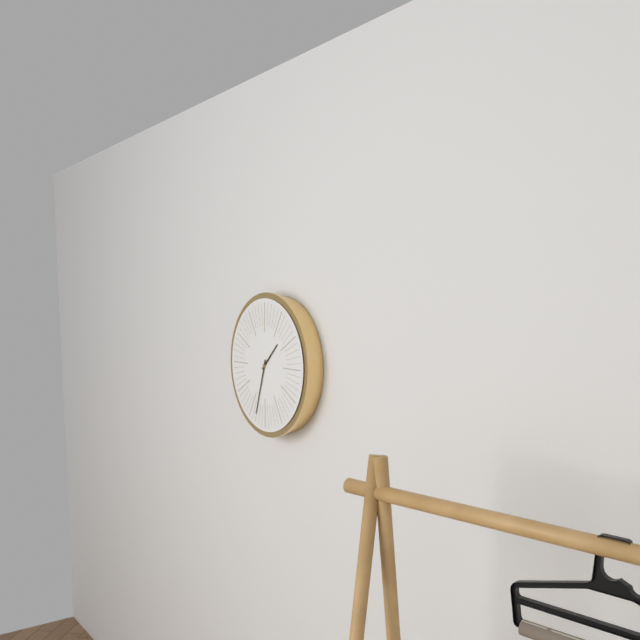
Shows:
1h33
